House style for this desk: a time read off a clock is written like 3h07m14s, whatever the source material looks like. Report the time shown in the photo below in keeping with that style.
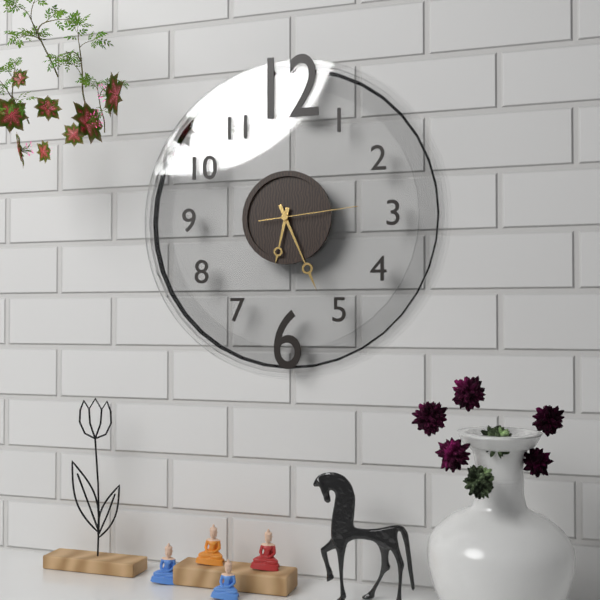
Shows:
6h26m14s
